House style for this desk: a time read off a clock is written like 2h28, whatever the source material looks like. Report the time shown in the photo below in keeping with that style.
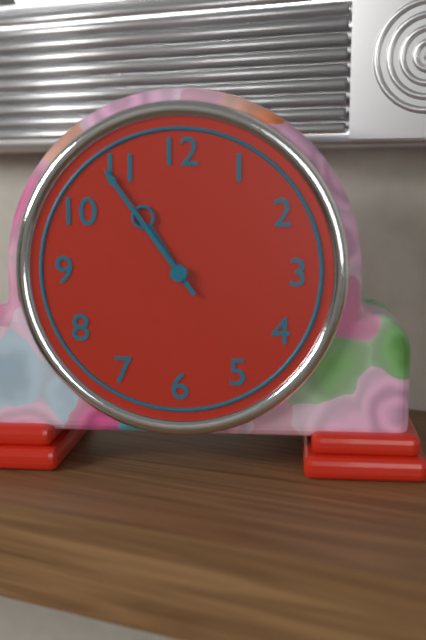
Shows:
10h54
